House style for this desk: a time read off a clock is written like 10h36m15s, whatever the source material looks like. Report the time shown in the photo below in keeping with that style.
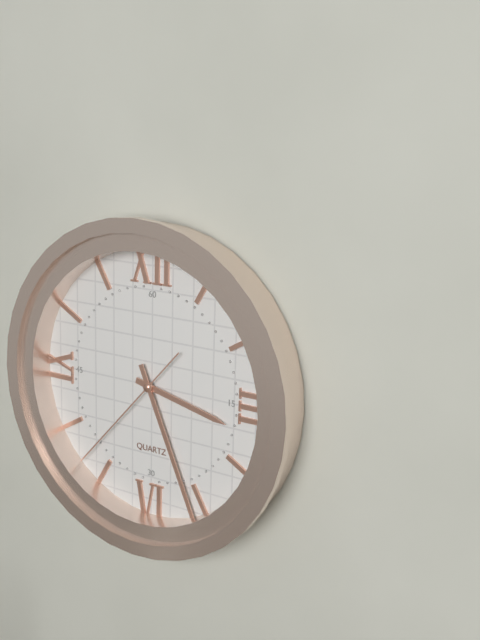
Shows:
3h26m37s
